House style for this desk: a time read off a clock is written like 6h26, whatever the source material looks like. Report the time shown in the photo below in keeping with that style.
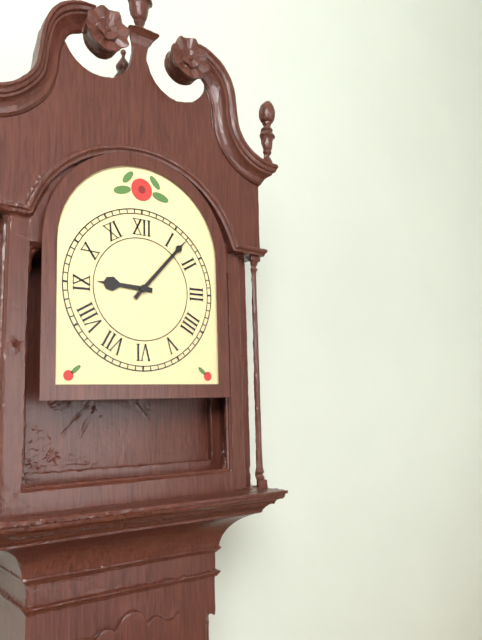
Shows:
9h07
